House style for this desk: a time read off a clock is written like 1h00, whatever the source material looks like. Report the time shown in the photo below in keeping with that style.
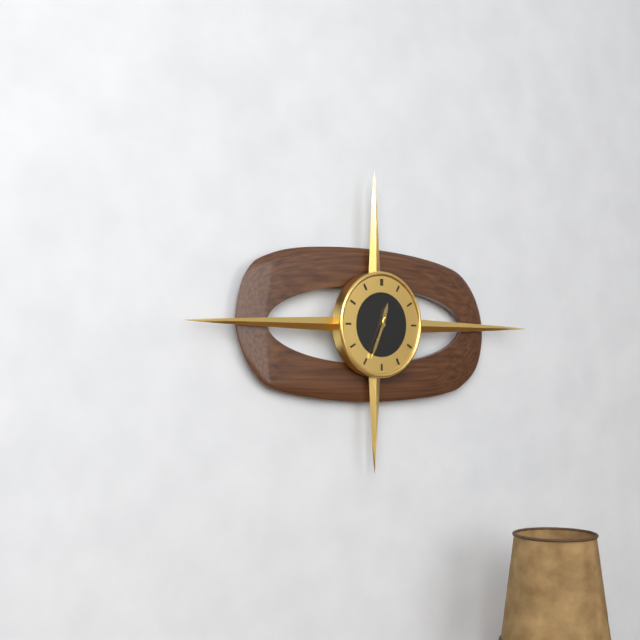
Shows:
12h34
